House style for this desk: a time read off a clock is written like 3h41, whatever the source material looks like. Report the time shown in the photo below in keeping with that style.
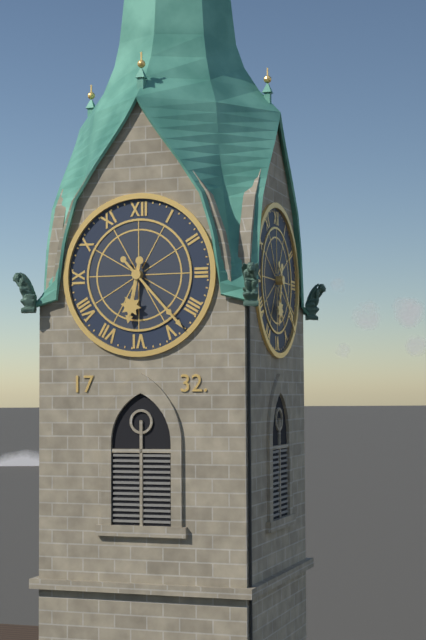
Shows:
6h23
